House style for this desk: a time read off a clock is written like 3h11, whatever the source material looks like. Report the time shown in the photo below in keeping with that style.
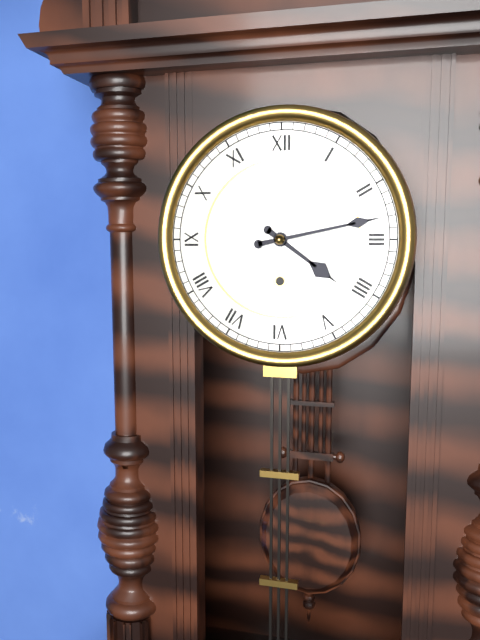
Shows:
4h13
